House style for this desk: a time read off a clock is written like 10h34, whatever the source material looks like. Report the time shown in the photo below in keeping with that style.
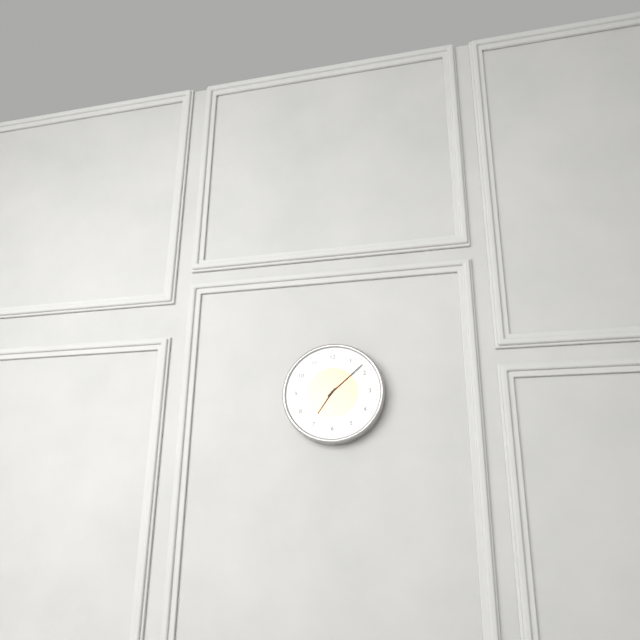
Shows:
7h08
